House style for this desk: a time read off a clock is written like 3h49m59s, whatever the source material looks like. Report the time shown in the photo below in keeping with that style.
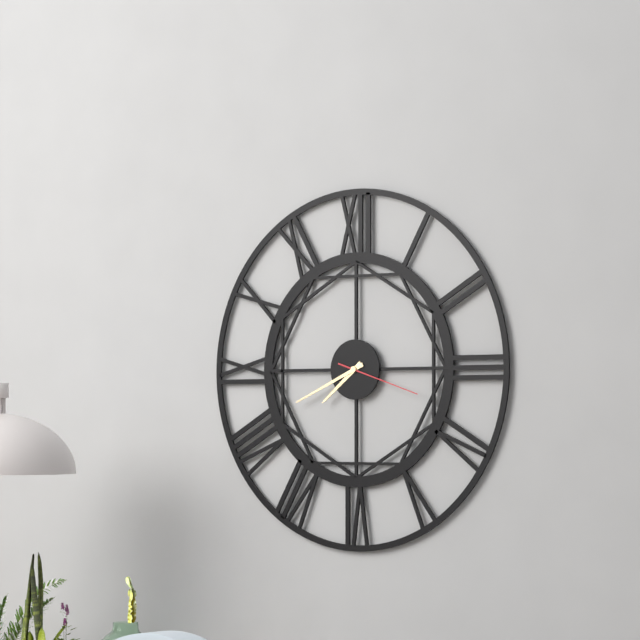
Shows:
7h41m18s
